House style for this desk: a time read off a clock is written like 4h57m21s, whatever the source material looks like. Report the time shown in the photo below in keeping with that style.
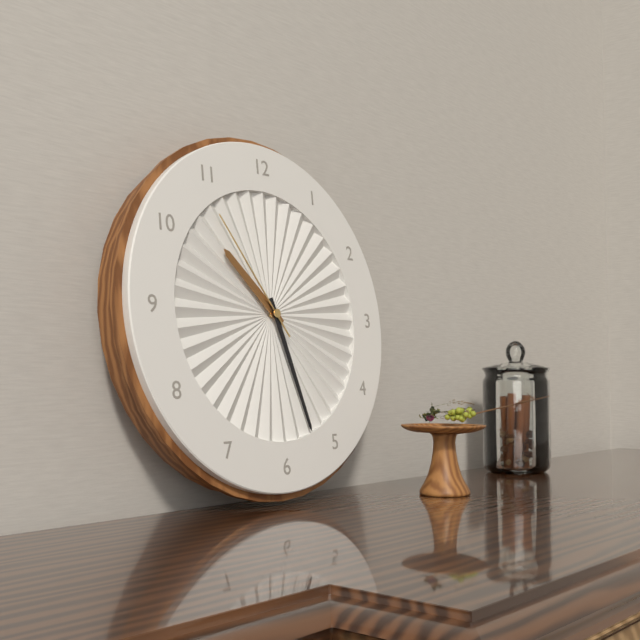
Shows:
10h27m54s
